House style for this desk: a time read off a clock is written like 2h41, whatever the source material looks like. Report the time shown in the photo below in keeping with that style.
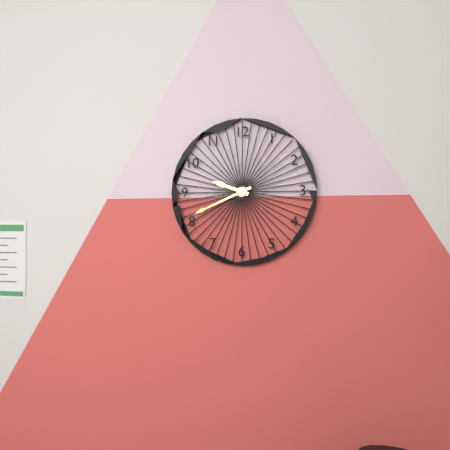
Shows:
9h41
